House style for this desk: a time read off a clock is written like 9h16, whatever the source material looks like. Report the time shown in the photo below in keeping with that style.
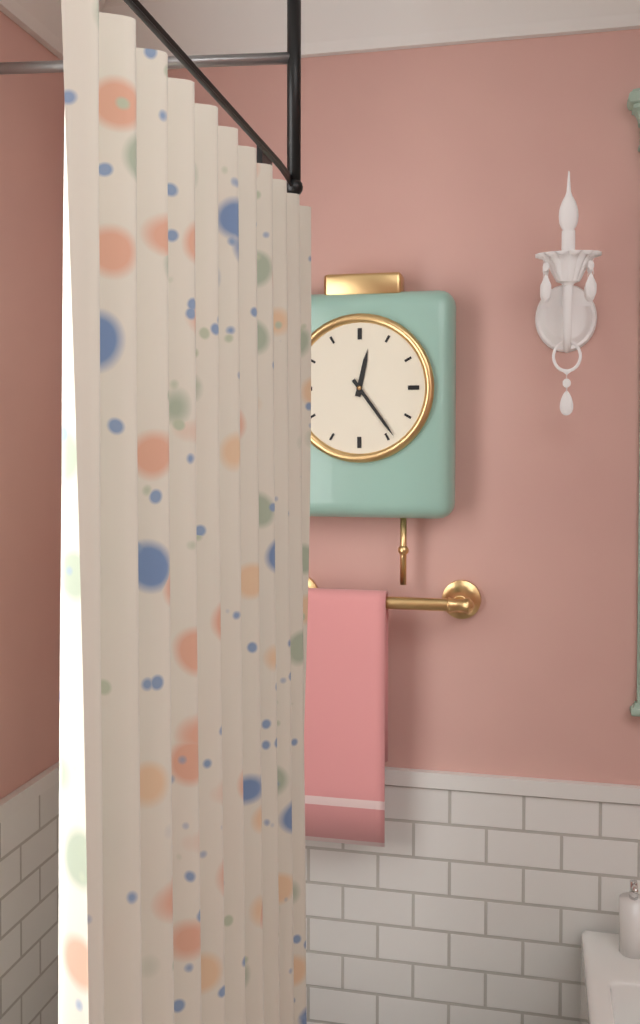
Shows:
12h24
